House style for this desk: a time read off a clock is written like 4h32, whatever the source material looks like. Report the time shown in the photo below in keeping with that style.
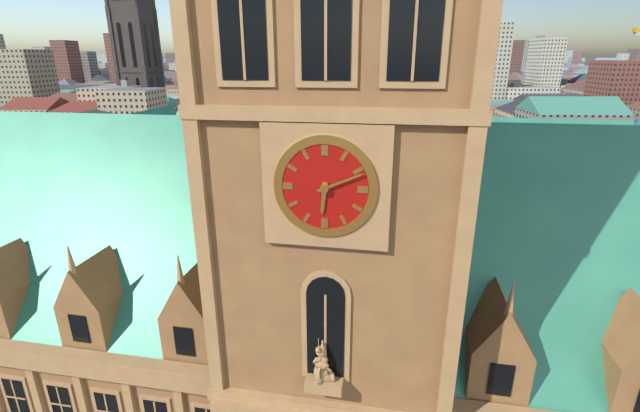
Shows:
6h11
